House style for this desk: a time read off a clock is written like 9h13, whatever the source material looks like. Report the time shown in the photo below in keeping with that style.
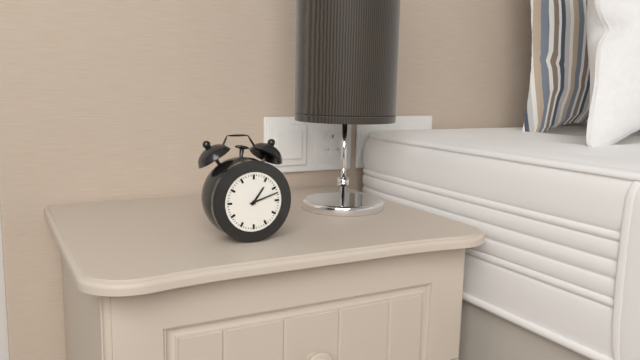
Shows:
1h12
